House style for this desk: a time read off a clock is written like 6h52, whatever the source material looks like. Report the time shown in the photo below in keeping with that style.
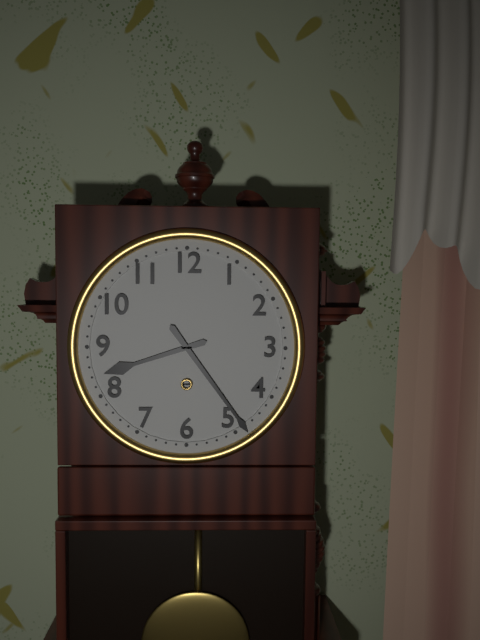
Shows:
8h24
